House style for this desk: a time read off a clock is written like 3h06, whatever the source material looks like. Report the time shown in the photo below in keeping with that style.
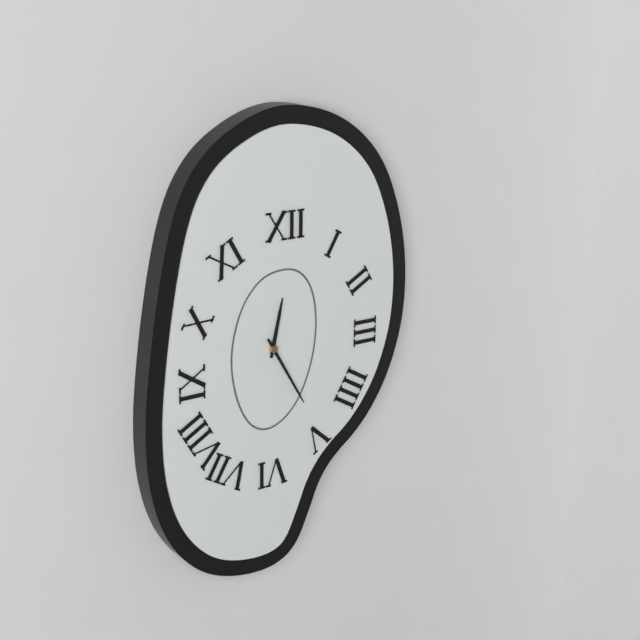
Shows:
12h25
